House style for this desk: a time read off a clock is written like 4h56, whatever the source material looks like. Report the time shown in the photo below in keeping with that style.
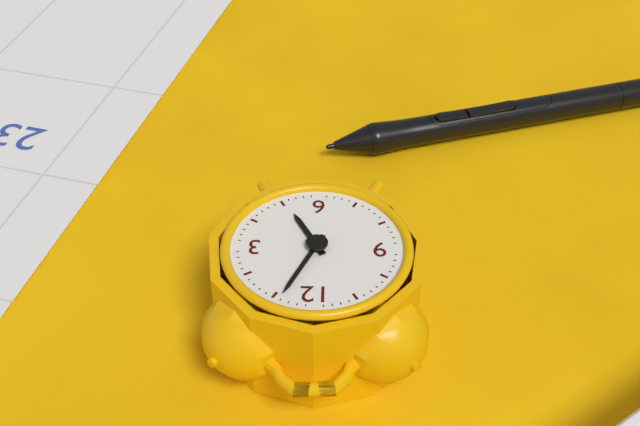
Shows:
5h04
